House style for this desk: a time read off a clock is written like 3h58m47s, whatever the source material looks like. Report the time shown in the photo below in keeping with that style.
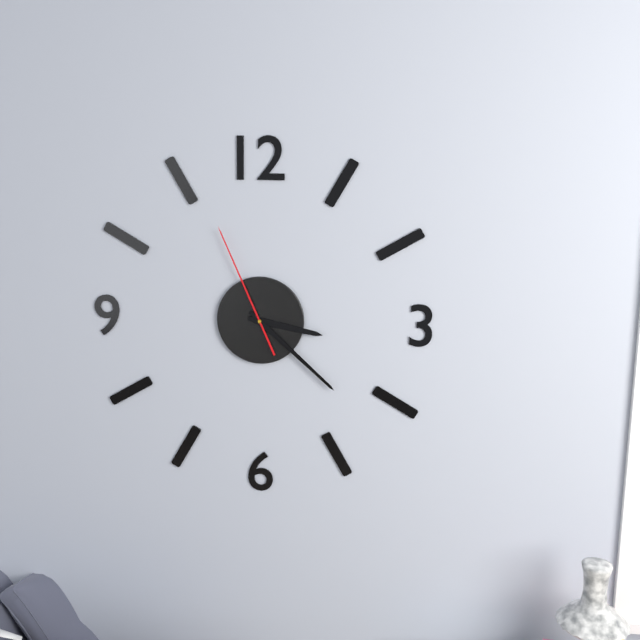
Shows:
3h22m56s
